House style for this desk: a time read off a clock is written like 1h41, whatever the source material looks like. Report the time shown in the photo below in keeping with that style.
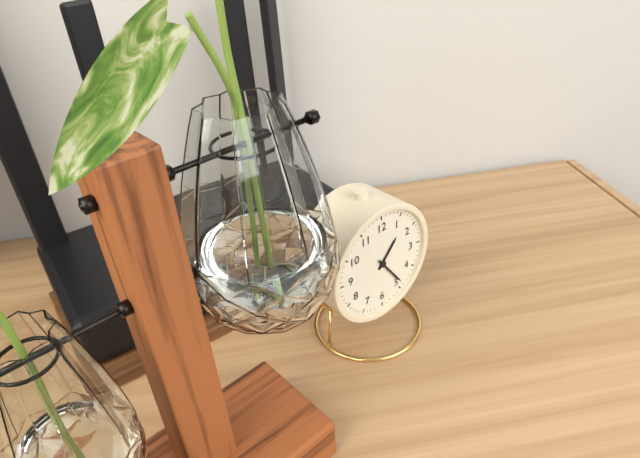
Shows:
1h24
